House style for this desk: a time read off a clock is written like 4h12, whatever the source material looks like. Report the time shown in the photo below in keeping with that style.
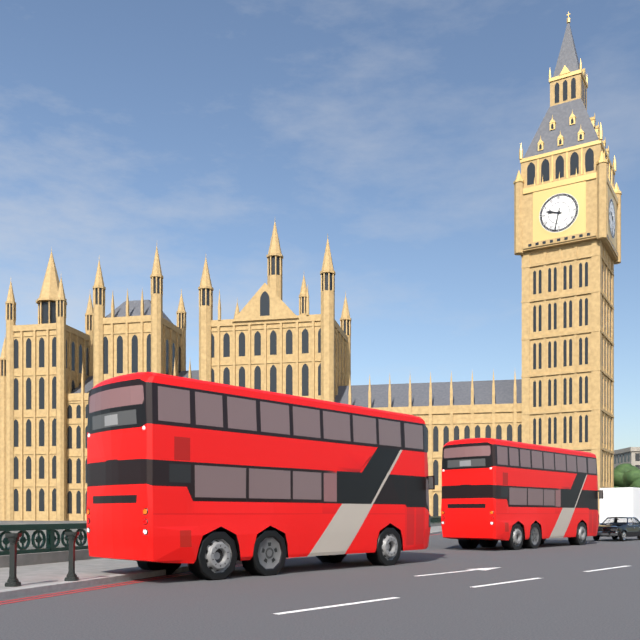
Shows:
9h32
